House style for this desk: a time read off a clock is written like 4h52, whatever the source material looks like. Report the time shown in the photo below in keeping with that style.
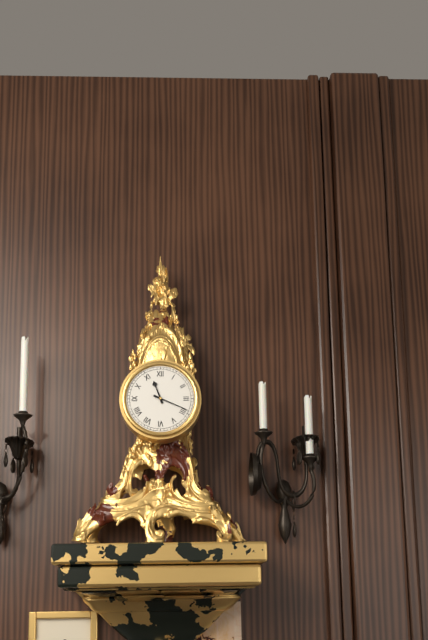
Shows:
11h19
